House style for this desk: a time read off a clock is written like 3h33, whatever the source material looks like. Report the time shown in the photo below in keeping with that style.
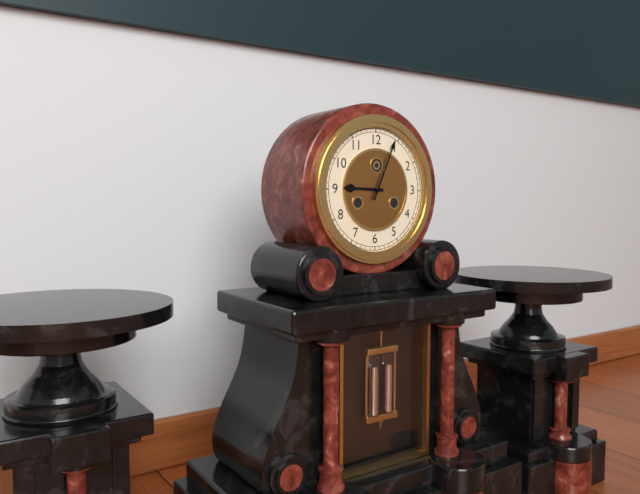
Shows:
9h04
